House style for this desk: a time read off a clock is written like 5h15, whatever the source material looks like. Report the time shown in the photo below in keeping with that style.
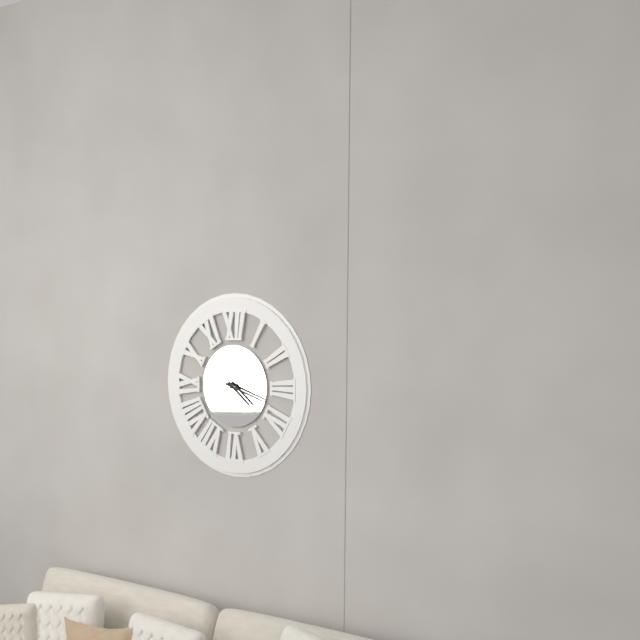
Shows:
4h18
